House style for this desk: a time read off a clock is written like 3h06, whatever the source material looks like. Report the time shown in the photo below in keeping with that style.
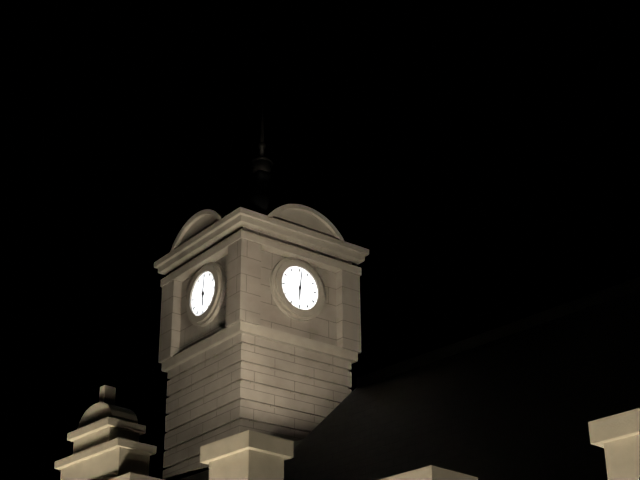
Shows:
6h01
